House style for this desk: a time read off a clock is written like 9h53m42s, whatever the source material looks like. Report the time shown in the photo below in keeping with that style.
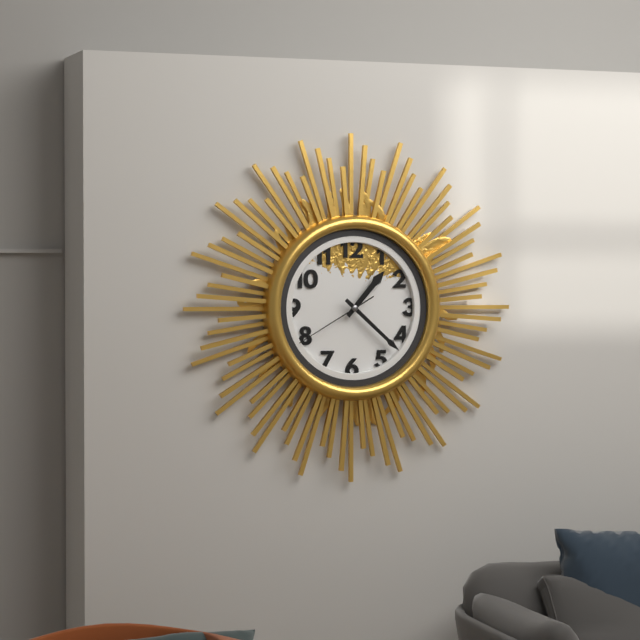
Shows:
1h22m40s
